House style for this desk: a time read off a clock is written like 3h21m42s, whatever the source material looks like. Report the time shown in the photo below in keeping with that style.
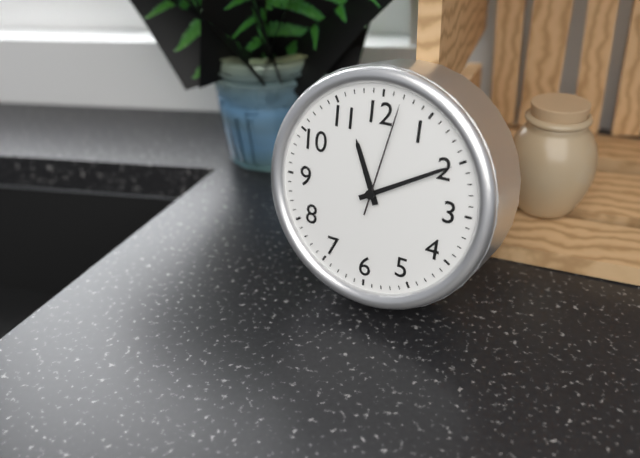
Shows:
11h10m02s
